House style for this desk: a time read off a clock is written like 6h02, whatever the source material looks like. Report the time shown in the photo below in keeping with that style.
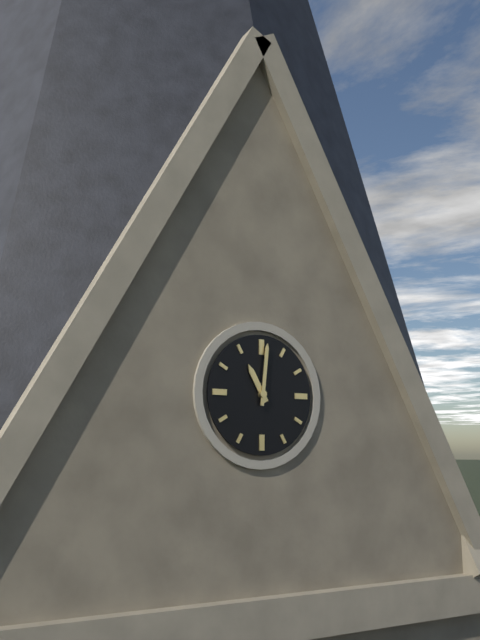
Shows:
11h01
